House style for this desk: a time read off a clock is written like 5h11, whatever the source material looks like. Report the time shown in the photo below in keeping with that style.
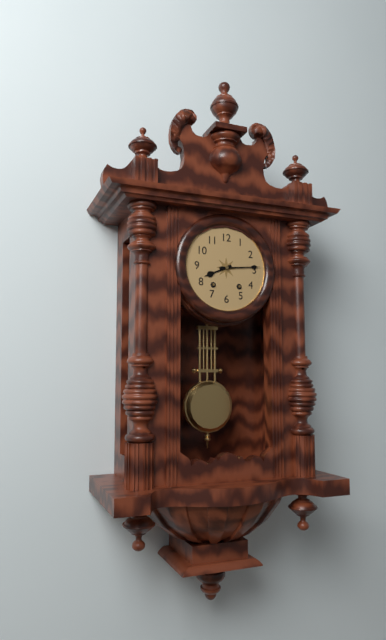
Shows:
8h14
